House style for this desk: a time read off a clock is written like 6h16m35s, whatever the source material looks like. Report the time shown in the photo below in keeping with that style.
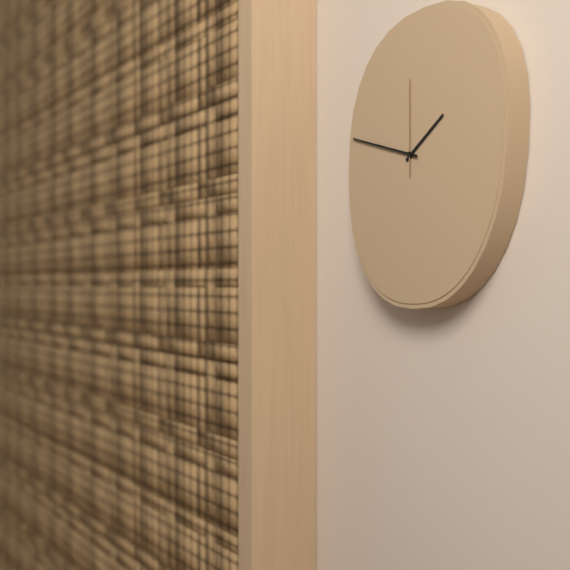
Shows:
1h48m00s
